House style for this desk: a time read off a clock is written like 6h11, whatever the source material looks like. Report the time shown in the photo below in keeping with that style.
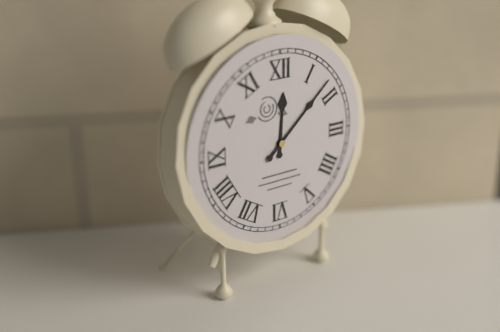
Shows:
12h08
